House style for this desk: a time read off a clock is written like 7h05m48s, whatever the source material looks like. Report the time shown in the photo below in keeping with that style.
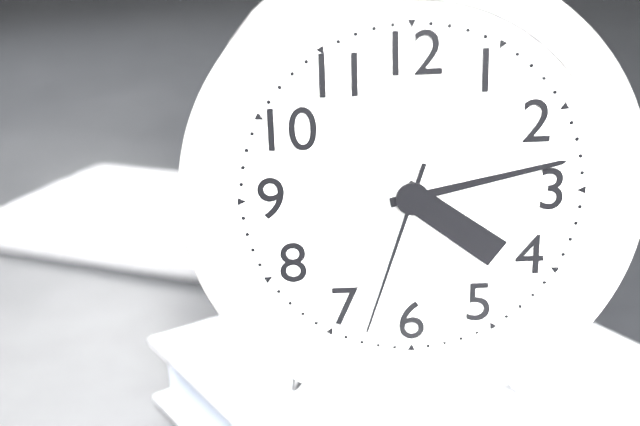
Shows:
4h13m33s
